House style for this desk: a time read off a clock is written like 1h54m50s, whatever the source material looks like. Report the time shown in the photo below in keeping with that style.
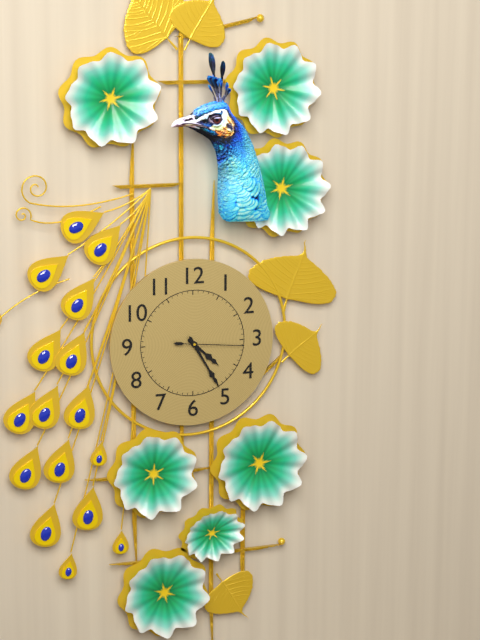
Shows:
4h25m16s
